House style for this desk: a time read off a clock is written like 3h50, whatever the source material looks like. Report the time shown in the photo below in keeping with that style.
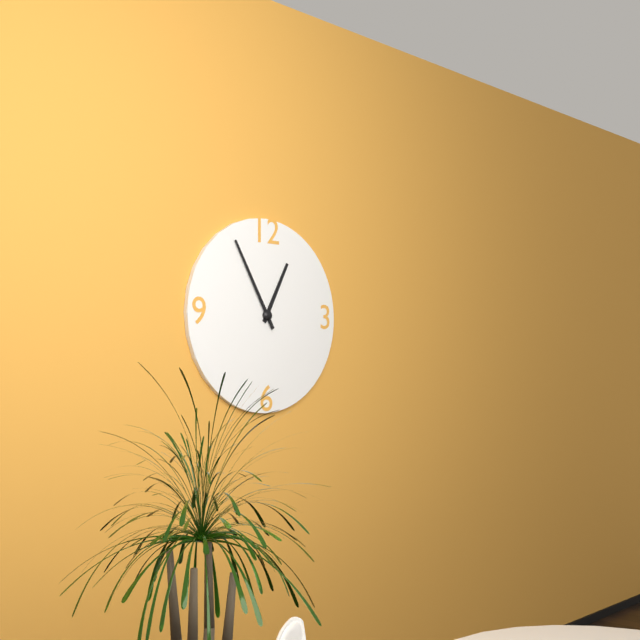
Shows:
12h55
